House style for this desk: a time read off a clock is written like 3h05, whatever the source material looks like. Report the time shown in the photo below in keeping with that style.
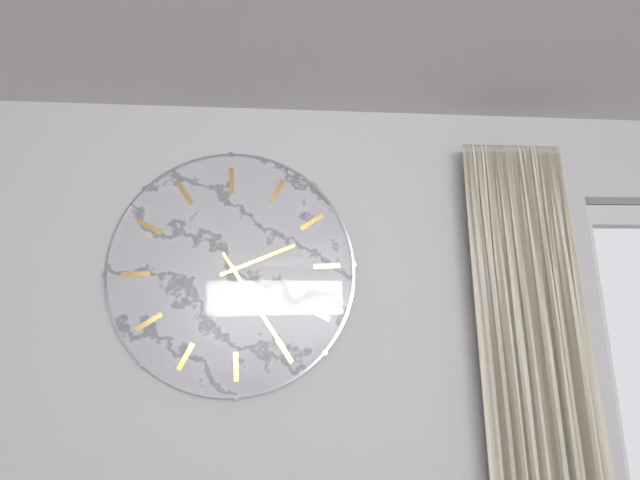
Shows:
1h20
